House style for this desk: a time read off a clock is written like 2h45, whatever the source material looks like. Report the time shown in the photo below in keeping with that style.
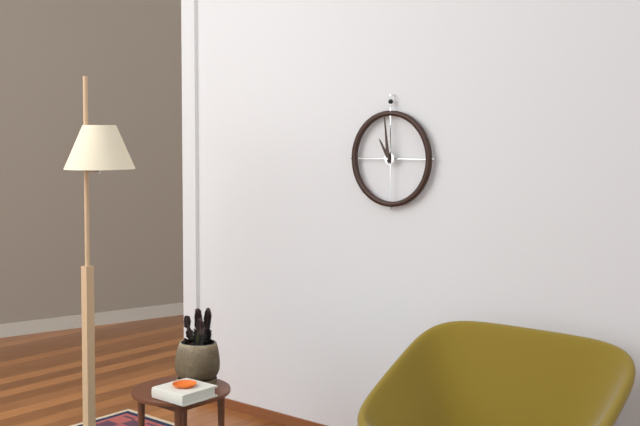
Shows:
10h59
